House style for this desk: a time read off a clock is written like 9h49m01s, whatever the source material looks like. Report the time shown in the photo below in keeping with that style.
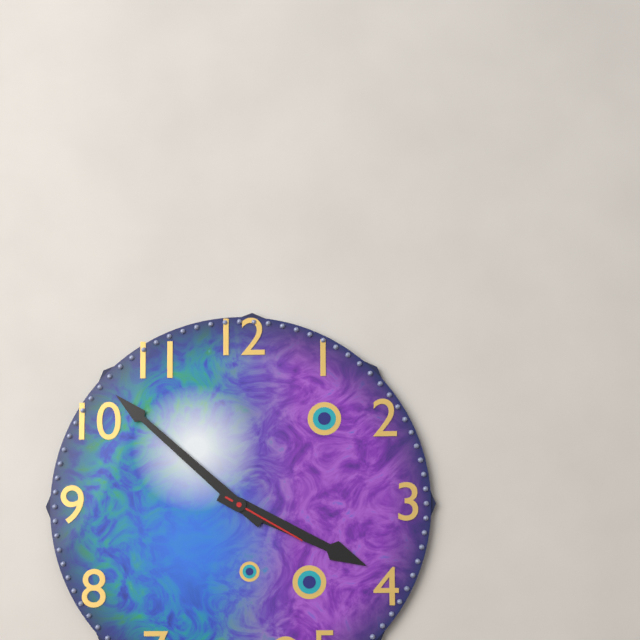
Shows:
3h52m20s
